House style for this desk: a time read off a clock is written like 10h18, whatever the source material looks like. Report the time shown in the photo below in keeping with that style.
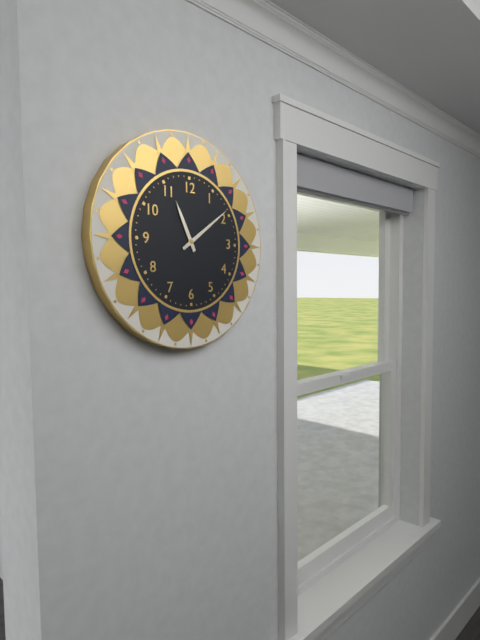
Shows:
11h09
